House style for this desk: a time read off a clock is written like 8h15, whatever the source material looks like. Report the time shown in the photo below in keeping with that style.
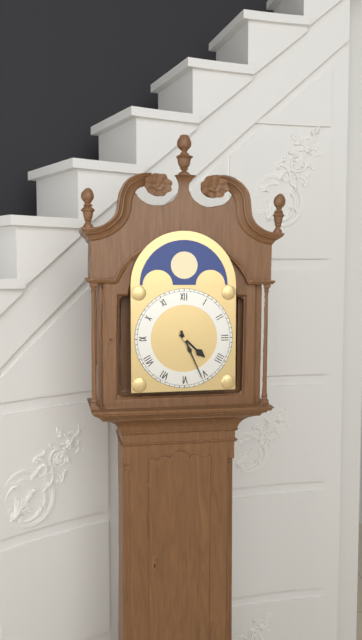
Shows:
4h26
